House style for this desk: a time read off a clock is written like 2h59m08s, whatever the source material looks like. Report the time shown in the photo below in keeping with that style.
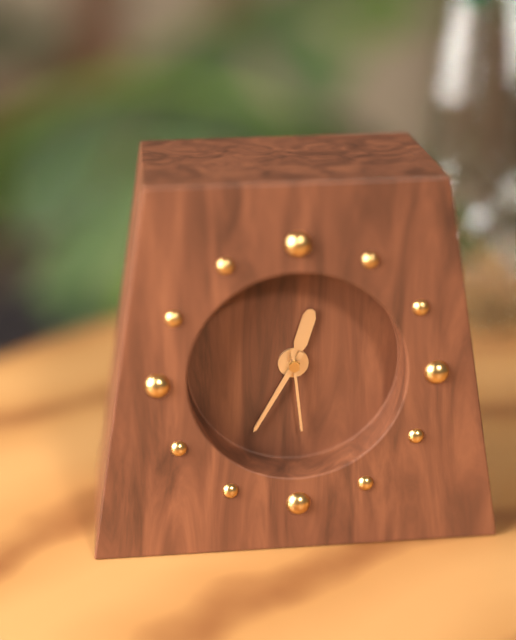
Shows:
12h35m29s
